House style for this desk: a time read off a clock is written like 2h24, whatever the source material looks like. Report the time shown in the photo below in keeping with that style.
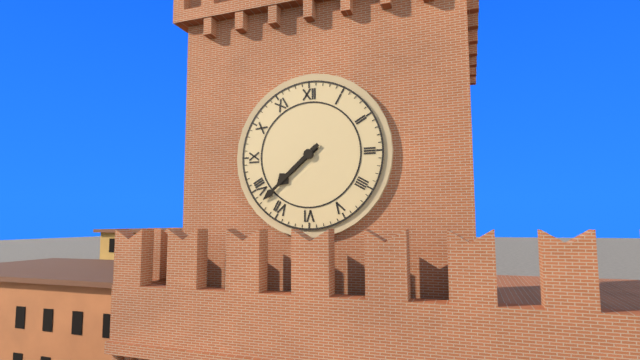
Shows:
7h38
